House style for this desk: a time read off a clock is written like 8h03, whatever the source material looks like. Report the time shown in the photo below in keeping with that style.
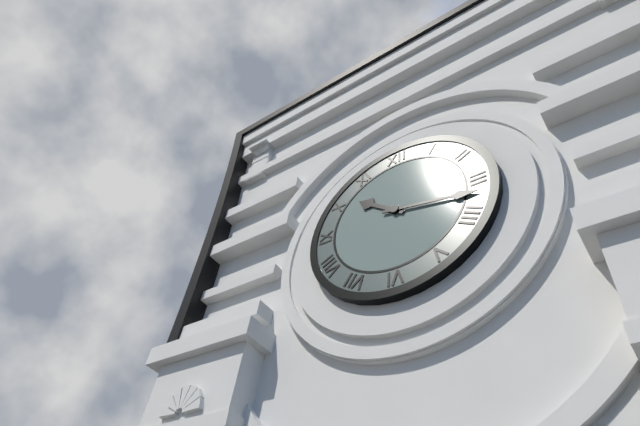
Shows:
10h17
